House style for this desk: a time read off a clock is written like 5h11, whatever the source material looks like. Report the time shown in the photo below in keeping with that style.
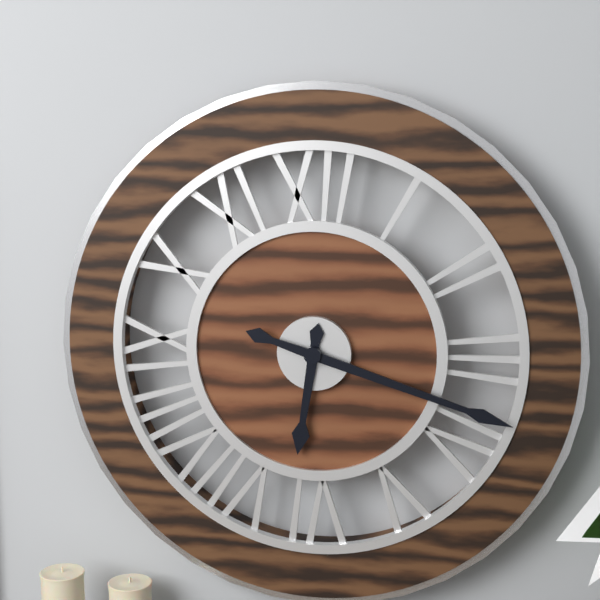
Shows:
6h18
